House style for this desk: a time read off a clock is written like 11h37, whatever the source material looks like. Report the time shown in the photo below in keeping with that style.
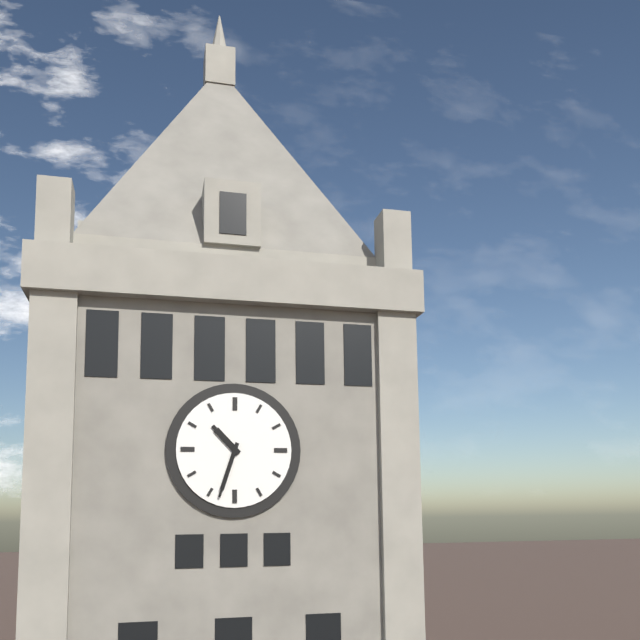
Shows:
10h33
